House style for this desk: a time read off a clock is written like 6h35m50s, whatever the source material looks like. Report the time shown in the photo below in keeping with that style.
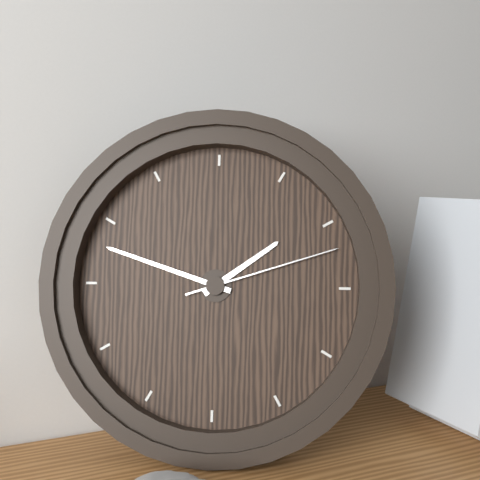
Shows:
1h48m12s
